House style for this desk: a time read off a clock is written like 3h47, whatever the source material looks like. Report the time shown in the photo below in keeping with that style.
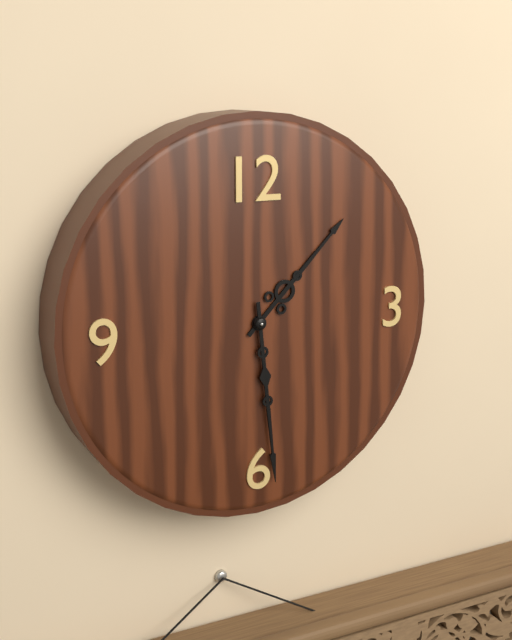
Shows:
1h29
